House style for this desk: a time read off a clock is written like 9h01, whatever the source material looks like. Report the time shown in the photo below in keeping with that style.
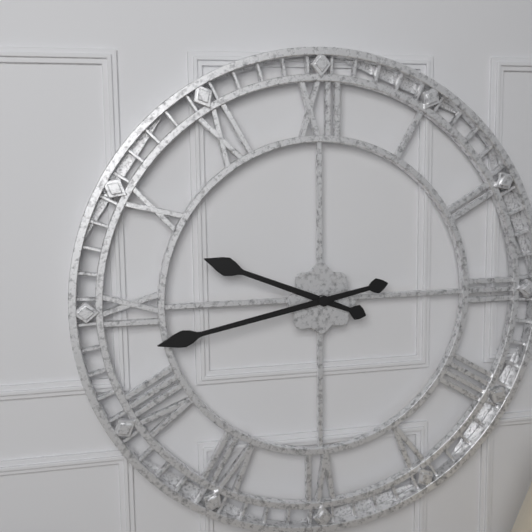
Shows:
9h43
